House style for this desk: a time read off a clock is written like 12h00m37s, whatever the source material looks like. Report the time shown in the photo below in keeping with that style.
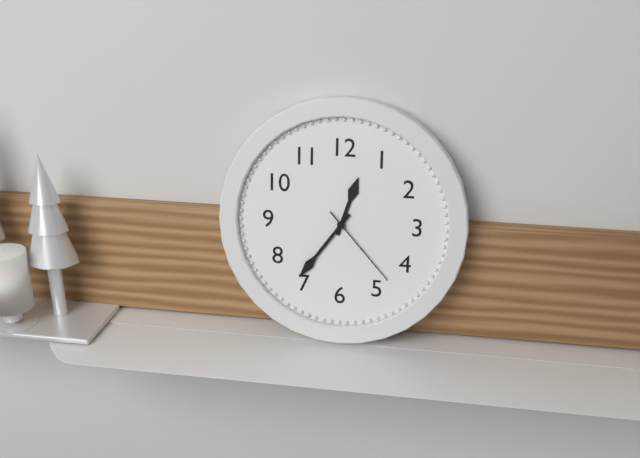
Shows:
12h36m23s
